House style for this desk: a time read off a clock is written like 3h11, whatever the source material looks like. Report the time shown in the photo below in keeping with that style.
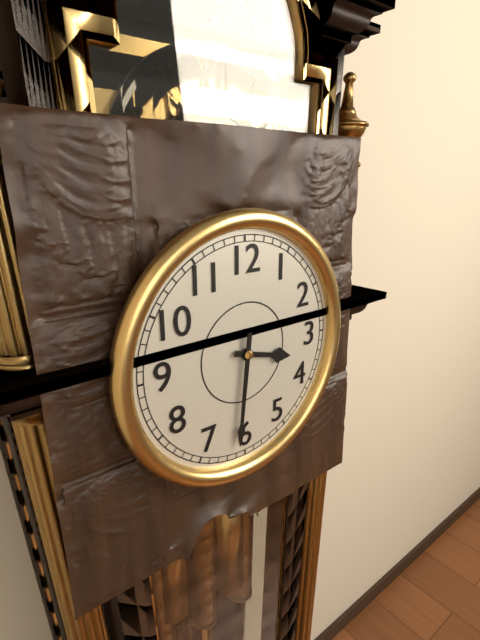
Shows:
3h31
